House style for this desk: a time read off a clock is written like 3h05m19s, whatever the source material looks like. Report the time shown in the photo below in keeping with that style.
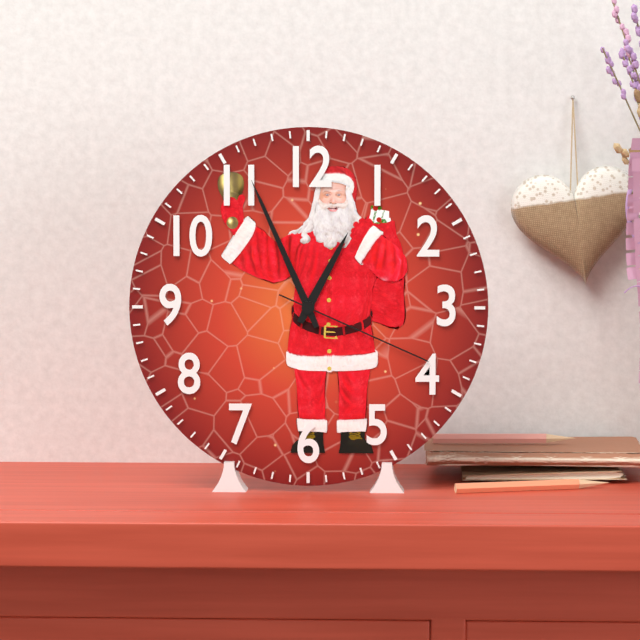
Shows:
12h56m19s
